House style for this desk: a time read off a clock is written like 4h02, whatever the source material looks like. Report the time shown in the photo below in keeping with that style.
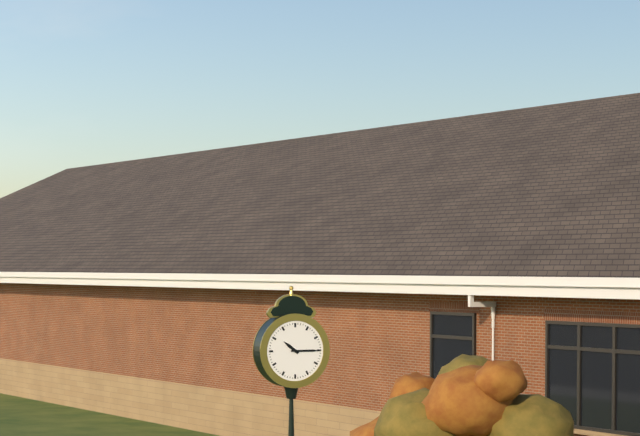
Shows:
10h15
